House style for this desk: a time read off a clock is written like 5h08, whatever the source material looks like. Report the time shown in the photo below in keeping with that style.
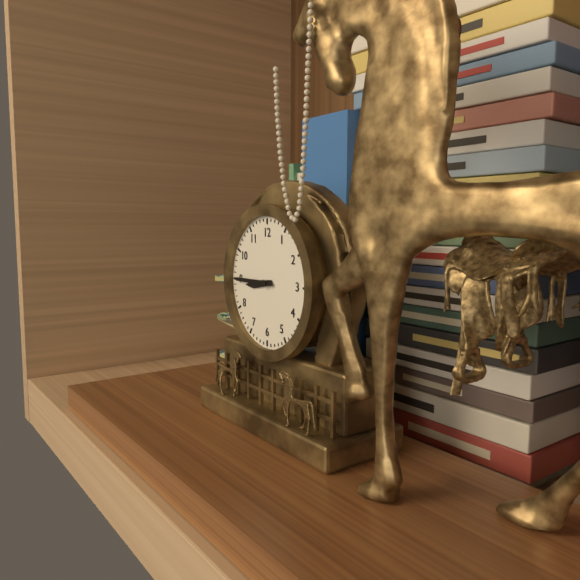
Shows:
8h45
